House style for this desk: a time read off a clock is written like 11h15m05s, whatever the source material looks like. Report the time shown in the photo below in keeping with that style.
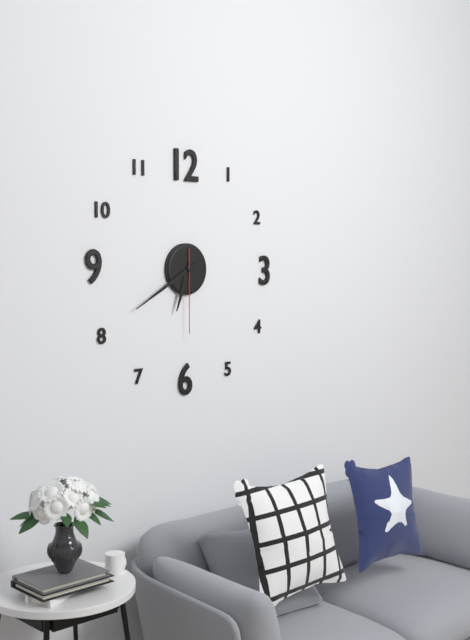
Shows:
6h40m30s
